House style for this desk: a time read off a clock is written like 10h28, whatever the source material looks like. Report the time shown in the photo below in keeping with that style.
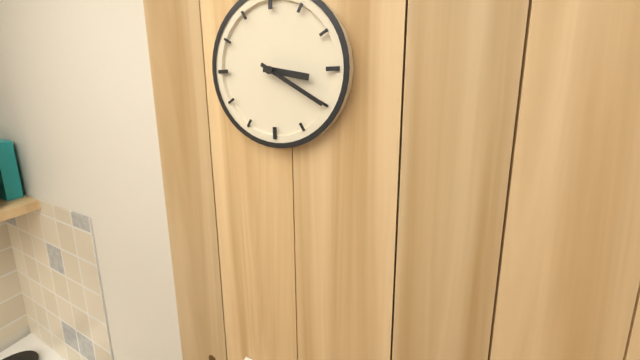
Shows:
3h20
